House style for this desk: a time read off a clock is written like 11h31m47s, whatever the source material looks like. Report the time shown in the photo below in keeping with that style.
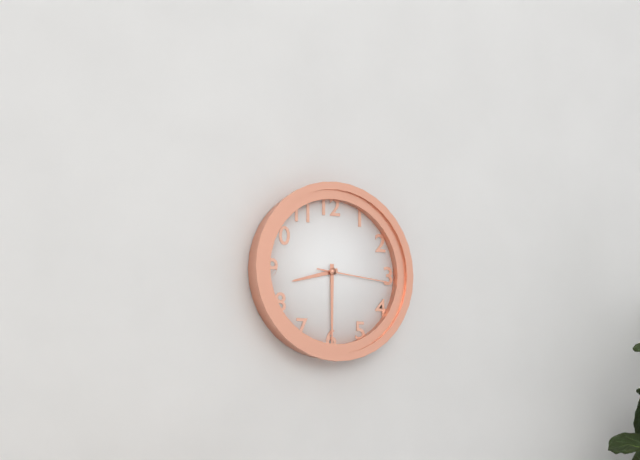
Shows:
8h30m16s
